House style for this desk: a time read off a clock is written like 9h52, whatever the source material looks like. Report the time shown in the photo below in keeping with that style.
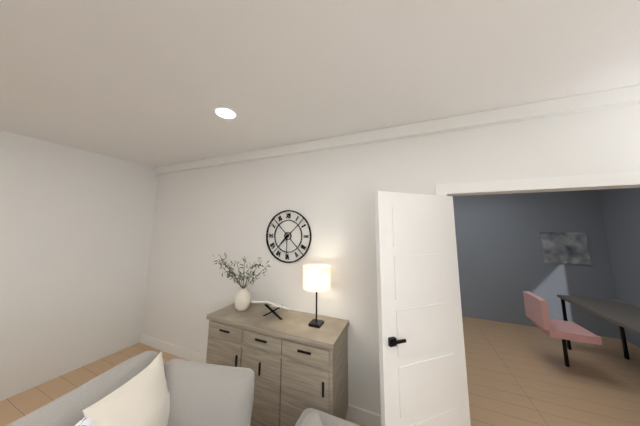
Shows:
7h30
